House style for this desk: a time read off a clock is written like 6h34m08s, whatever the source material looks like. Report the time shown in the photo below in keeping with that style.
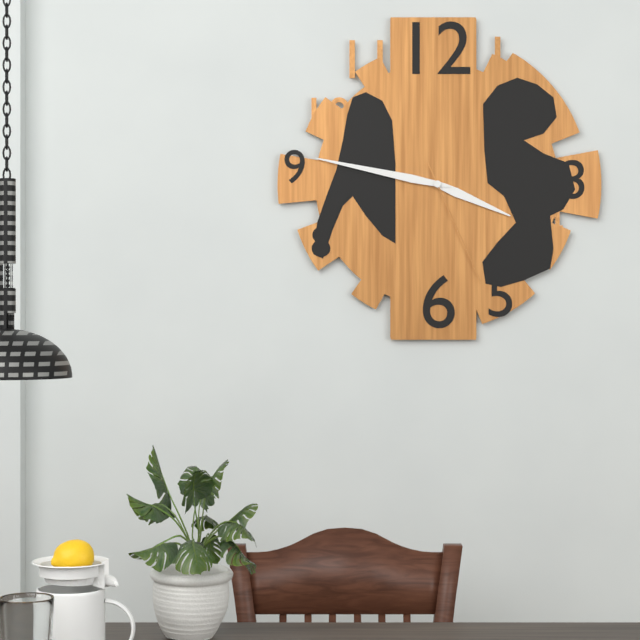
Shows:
3h47m26s
